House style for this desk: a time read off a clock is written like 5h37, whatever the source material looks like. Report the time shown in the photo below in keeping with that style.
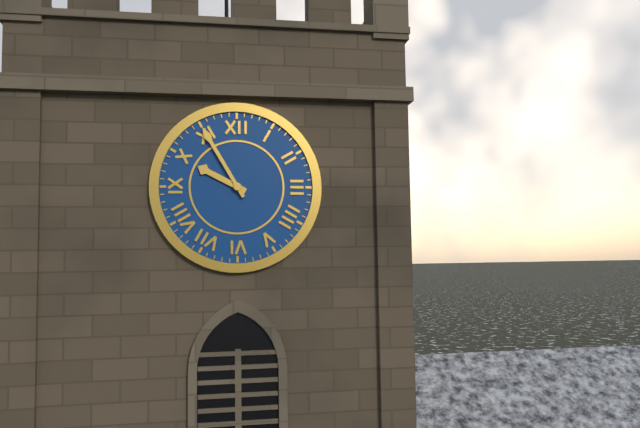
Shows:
9h55
